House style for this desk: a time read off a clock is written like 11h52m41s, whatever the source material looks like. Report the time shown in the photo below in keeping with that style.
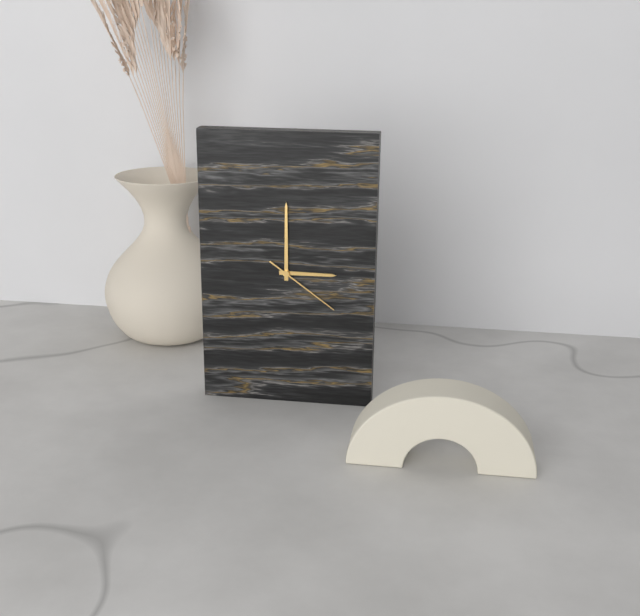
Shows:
3h00m21s
